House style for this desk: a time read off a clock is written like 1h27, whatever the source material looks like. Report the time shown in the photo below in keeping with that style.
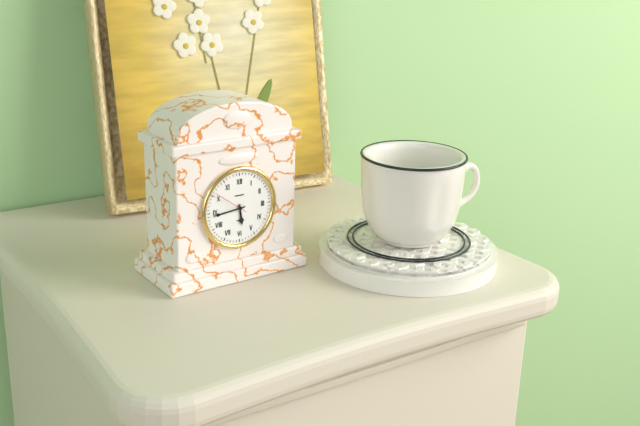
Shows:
5h44
